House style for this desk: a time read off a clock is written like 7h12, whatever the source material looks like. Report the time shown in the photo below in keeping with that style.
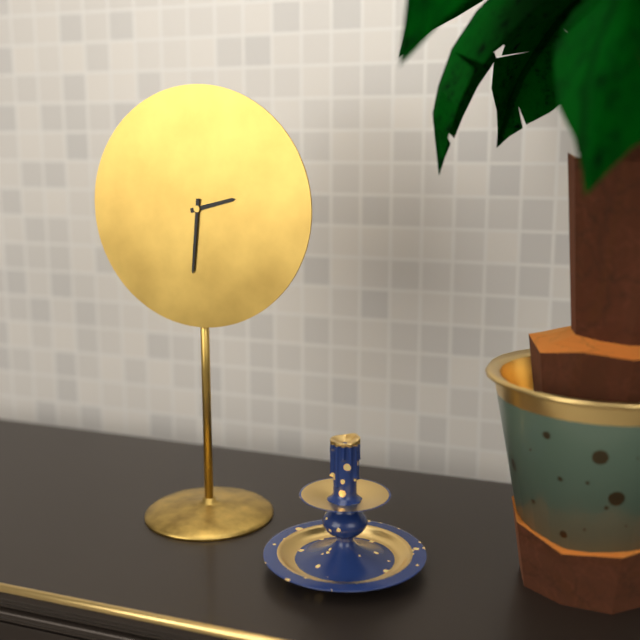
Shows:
2h31
